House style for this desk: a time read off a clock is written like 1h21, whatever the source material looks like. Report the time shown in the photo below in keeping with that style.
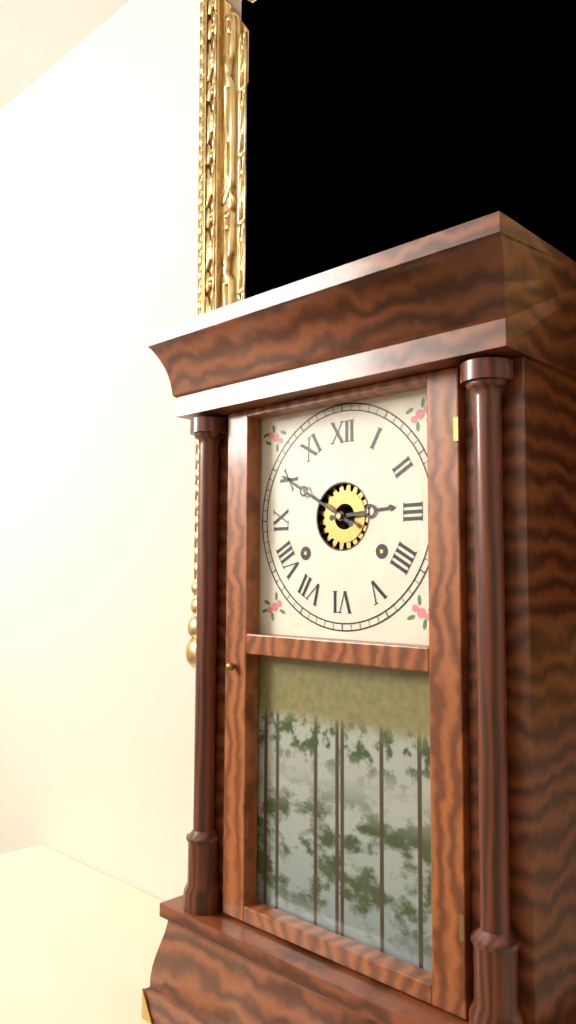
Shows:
2h50
